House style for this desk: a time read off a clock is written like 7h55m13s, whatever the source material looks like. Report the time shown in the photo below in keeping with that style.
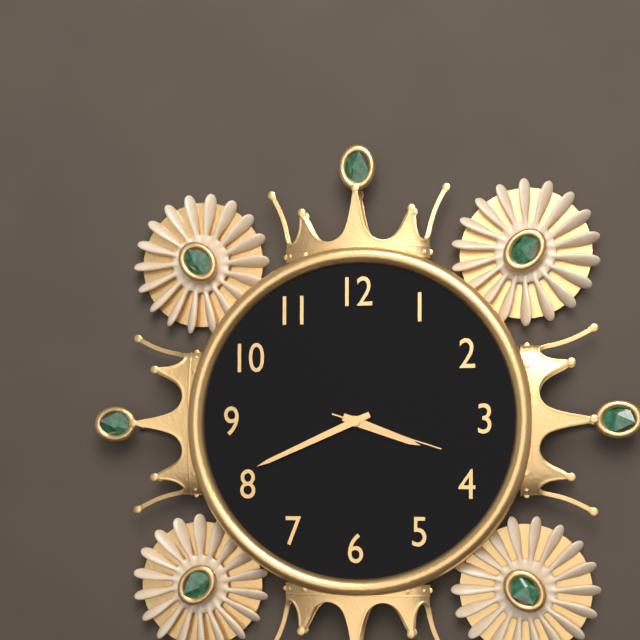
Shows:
3h41m18s
